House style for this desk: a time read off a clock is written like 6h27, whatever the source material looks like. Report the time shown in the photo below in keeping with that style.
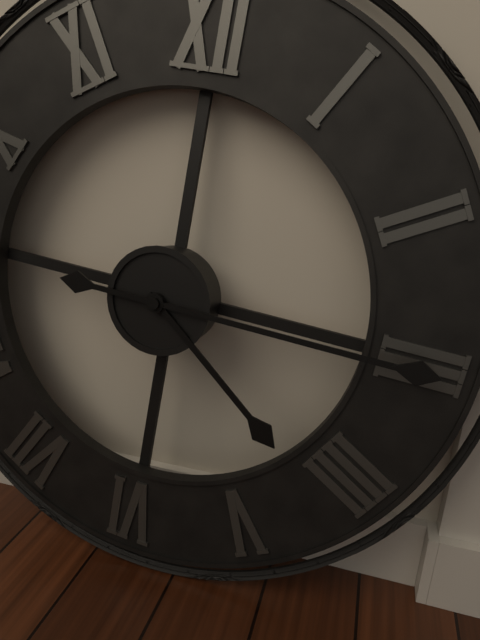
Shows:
4h15
